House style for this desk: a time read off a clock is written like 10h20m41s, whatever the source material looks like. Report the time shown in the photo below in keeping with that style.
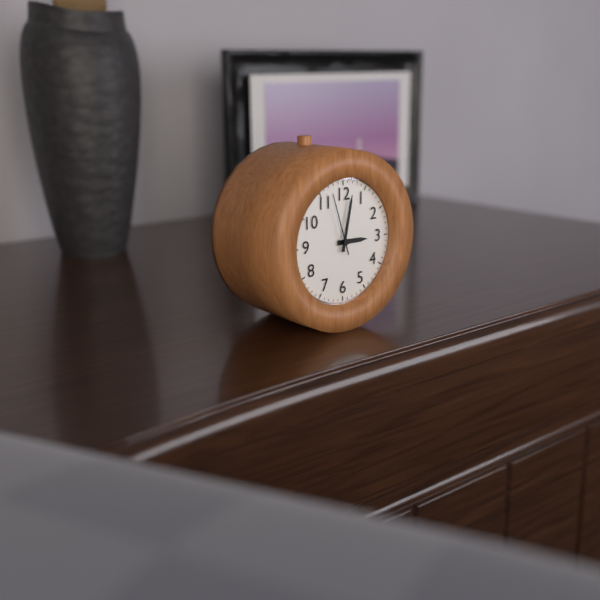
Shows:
3h02m57s
